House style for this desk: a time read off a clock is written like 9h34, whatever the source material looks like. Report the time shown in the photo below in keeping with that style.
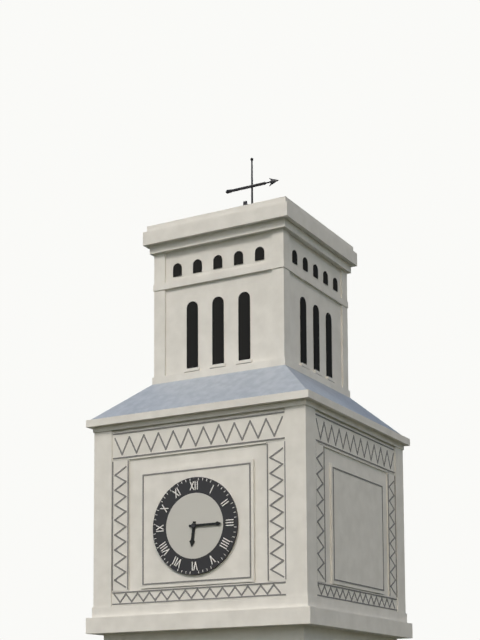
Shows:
6h15
